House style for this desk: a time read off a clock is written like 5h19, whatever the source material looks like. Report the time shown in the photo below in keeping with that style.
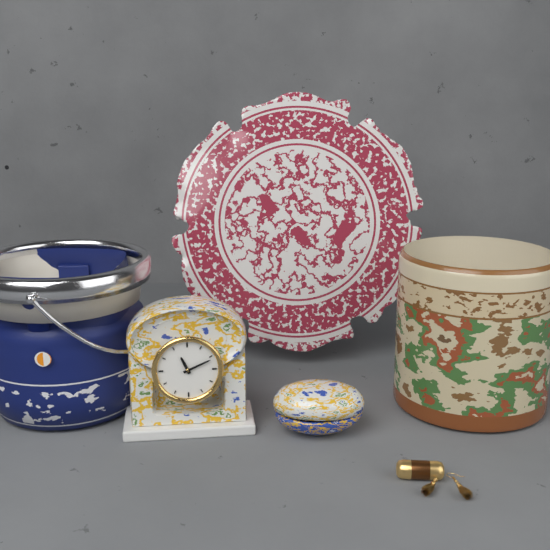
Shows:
11h11
